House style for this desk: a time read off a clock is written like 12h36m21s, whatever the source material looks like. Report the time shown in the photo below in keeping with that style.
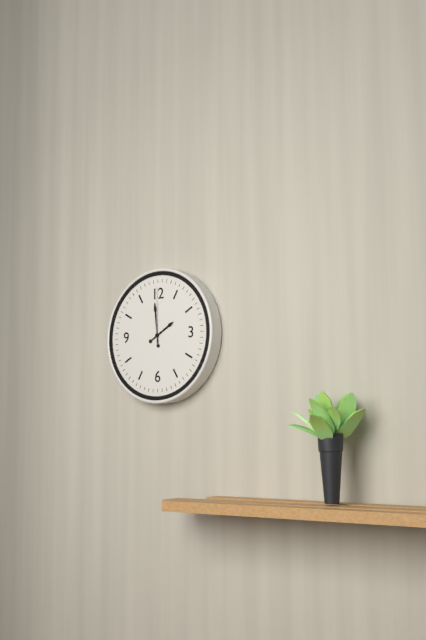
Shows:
1h59m00s
